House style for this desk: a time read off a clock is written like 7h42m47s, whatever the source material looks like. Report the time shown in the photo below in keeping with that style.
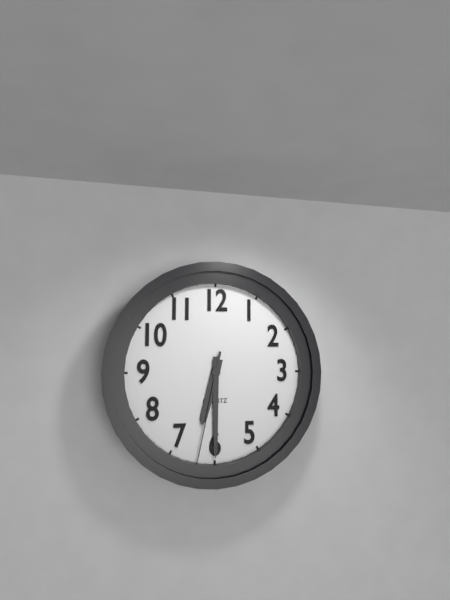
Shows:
6h30m32s
